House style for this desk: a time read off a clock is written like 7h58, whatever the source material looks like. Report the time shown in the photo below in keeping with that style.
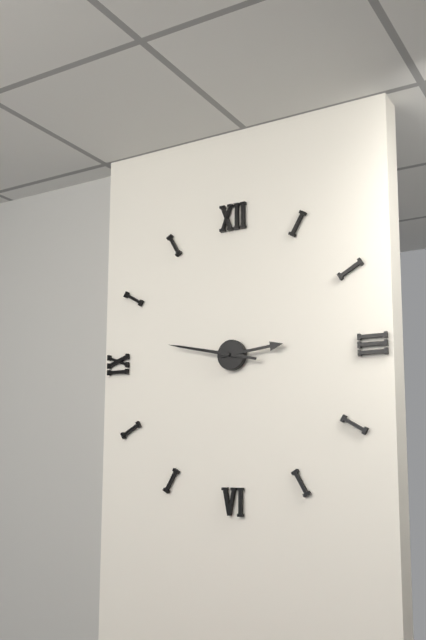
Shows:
2h47
